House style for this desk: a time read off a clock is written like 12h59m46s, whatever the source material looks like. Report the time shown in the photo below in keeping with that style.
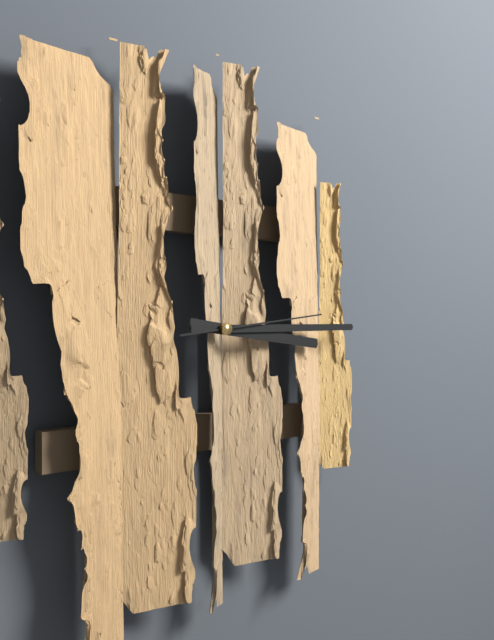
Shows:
3h15m14s
